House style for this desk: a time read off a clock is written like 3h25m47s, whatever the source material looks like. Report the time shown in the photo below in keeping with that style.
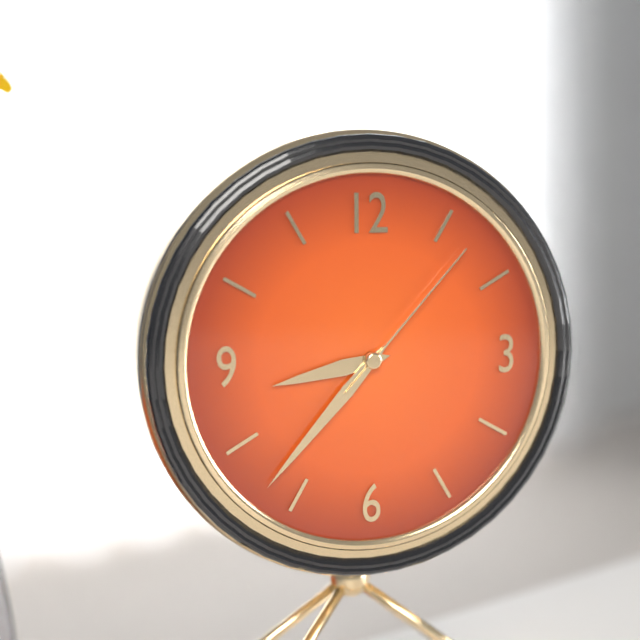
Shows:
8h37m07s
